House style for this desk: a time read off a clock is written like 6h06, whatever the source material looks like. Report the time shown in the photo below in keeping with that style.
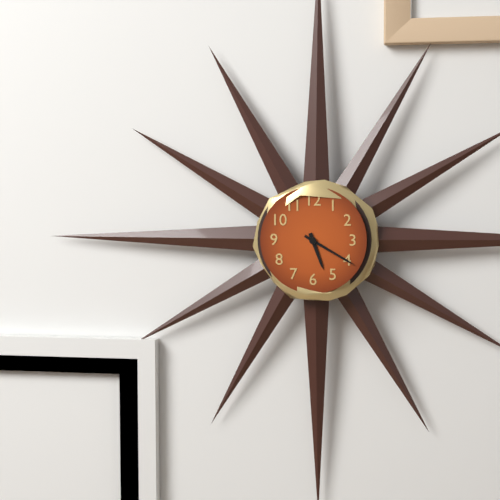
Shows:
5h20
